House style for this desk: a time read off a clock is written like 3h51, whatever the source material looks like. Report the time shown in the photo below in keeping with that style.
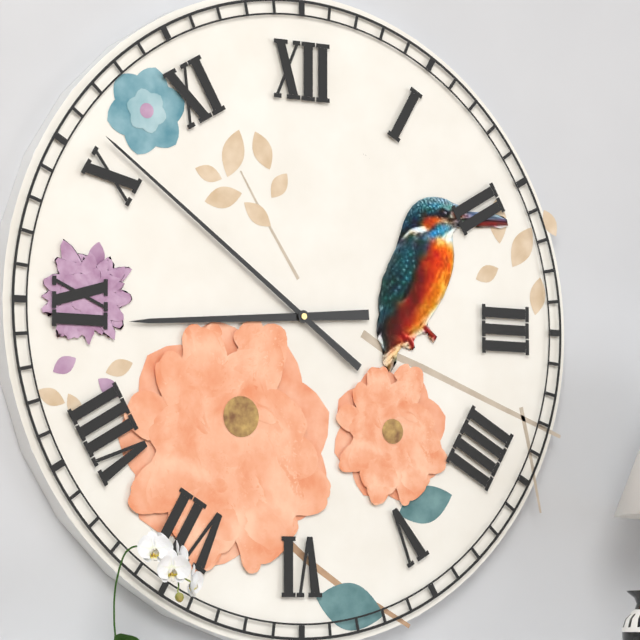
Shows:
8h51
